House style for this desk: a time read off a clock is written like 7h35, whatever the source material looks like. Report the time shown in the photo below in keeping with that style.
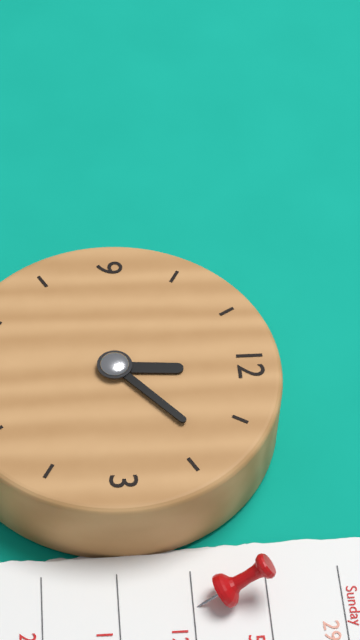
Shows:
12h08
